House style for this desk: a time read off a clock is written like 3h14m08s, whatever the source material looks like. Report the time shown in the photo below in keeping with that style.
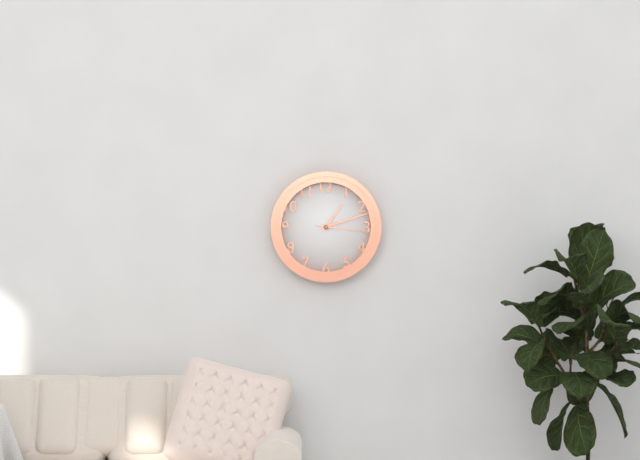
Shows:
1h12m16s
